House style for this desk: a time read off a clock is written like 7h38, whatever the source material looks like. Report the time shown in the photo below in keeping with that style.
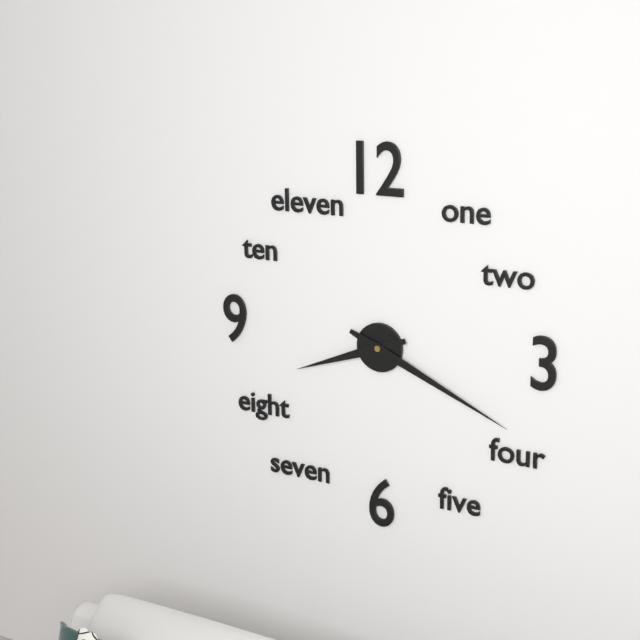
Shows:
8h19
